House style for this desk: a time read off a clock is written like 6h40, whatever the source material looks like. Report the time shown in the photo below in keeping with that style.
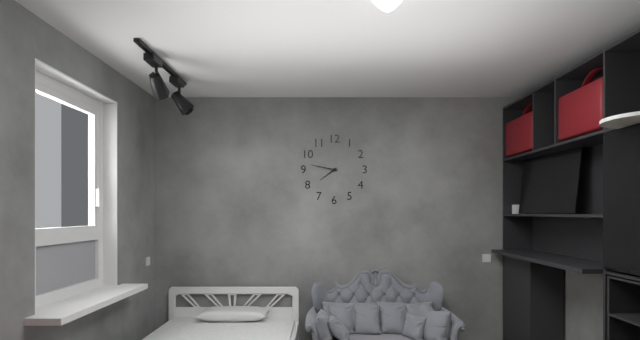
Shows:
7h47
